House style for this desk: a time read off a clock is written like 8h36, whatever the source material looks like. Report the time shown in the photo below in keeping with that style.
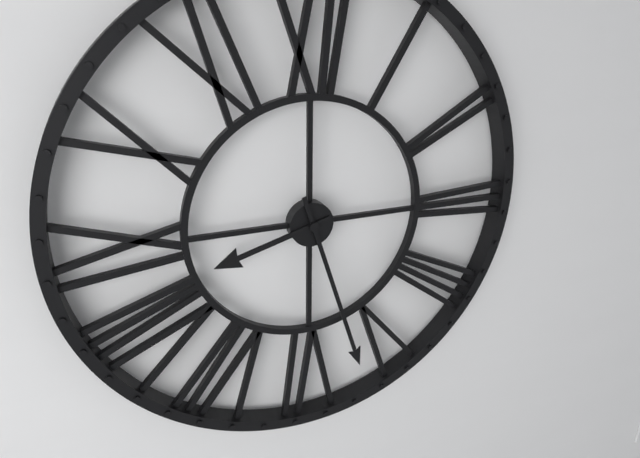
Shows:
8h27
